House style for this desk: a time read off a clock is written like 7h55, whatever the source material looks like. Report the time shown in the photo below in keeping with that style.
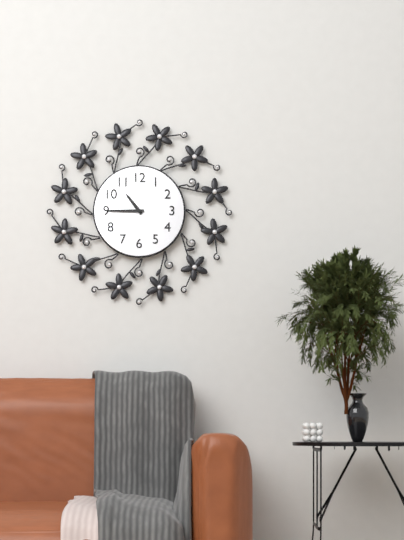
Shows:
10h45
